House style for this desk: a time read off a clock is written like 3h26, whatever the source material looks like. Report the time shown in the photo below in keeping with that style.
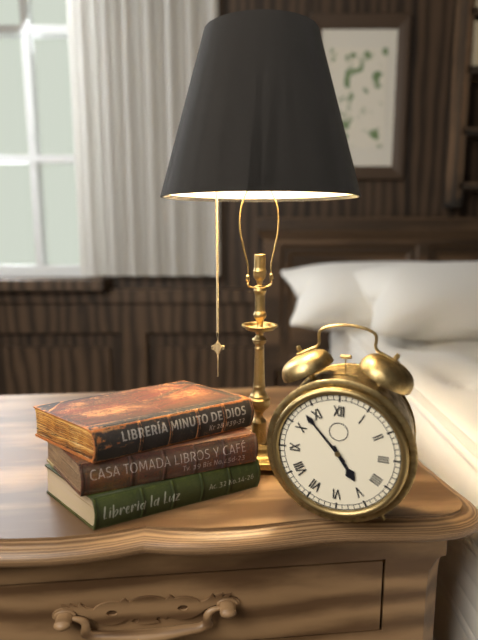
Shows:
4h53
